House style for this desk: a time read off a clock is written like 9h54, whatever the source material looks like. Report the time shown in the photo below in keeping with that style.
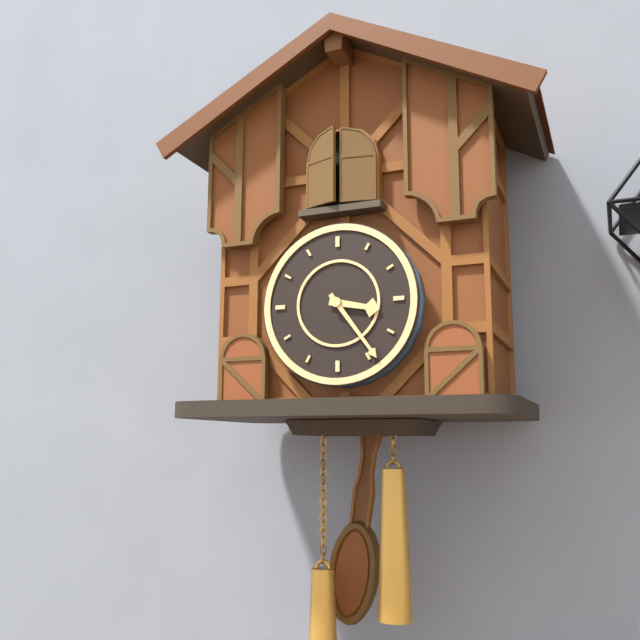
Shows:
3h24
